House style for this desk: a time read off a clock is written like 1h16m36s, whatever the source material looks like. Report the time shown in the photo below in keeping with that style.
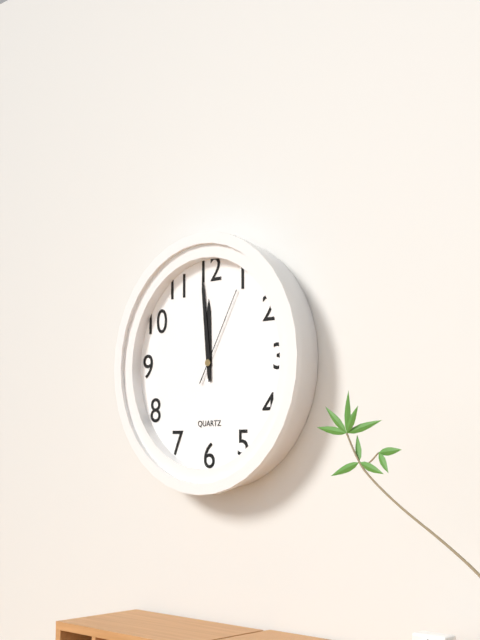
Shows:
11h59m05s
